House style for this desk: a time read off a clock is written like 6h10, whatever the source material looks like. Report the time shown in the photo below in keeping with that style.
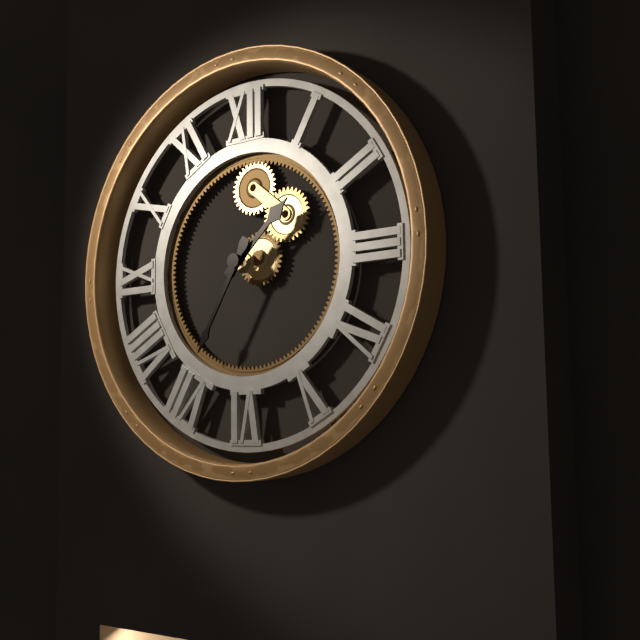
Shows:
1h35
